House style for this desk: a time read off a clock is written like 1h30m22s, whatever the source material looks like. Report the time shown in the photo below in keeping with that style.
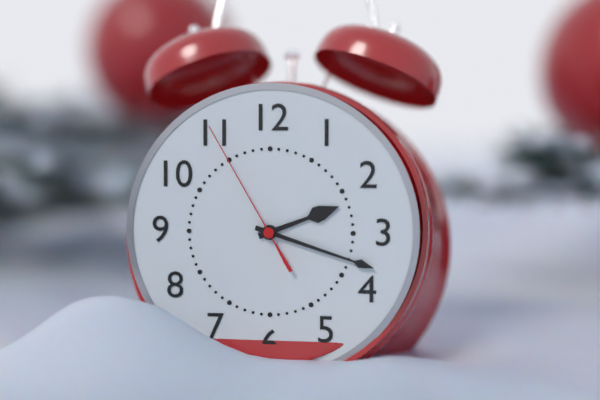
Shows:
2h18m55s
